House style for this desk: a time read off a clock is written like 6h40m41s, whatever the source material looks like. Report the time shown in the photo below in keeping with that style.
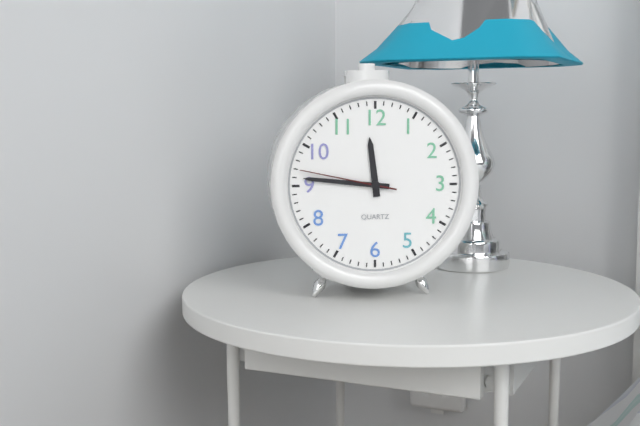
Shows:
11h46m47s
